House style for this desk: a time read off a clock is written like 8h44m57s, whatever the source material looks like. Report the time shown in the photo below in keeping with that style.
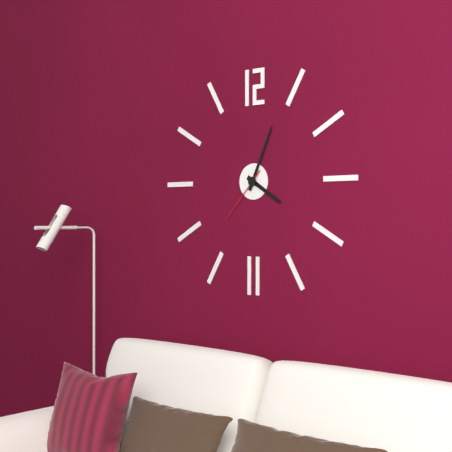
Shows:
4h04m37s
